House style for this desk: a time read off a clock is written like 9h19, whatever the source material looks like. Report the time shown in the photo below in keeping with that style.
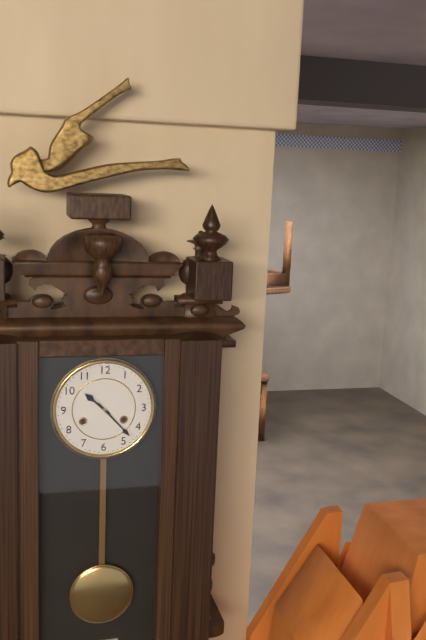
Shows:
10h23
